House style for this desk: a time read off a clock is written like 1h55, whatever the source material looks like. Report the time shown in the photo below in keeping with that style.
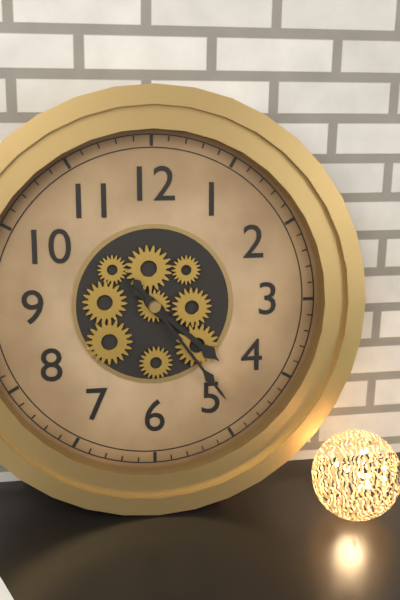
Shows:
4h24
